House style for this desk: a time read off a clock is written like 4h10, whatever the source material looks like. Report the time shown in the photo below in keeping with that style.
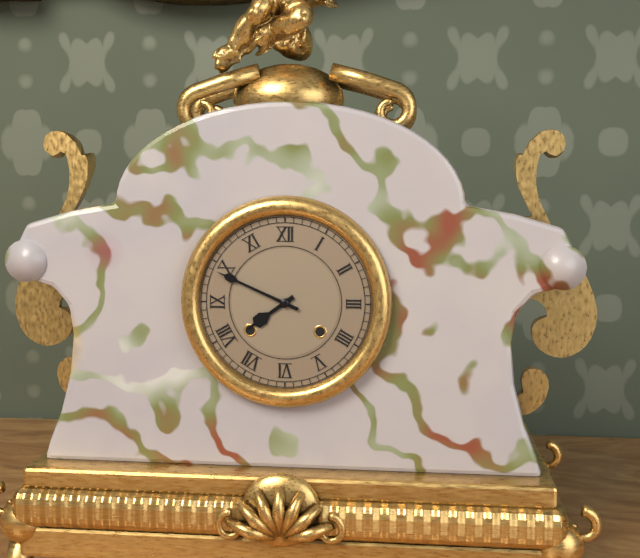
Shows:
7h49
